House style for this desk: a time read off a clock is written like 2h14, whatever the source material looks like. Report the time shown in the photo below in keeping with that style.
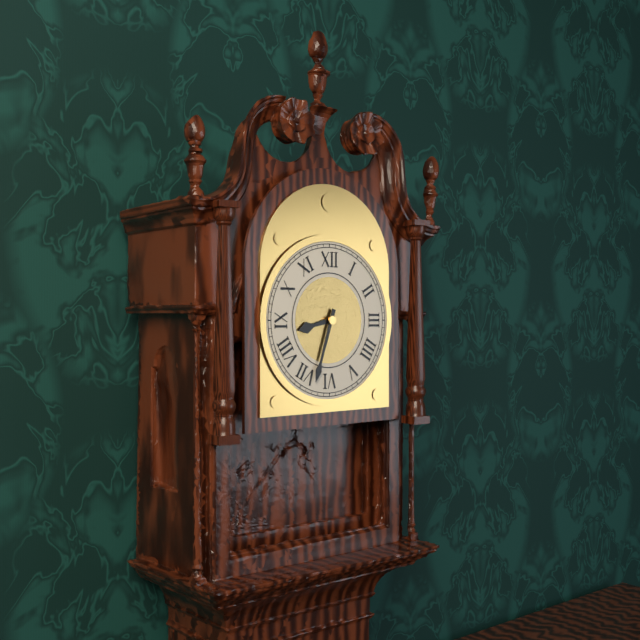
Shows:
8h33
